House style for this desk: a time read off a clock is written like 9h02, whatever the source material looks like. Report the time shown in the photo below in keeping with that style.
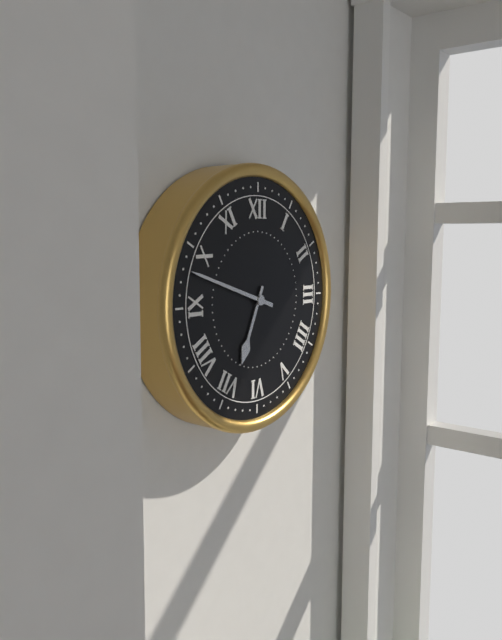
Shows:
6h48
